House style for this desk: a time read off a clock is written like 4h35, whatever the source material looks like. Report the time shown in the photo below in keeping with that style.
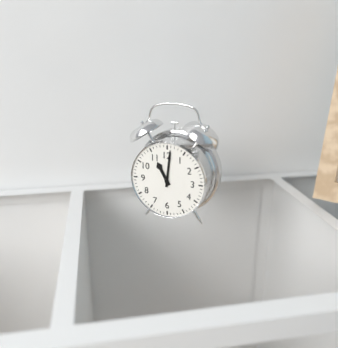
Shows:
11h01
